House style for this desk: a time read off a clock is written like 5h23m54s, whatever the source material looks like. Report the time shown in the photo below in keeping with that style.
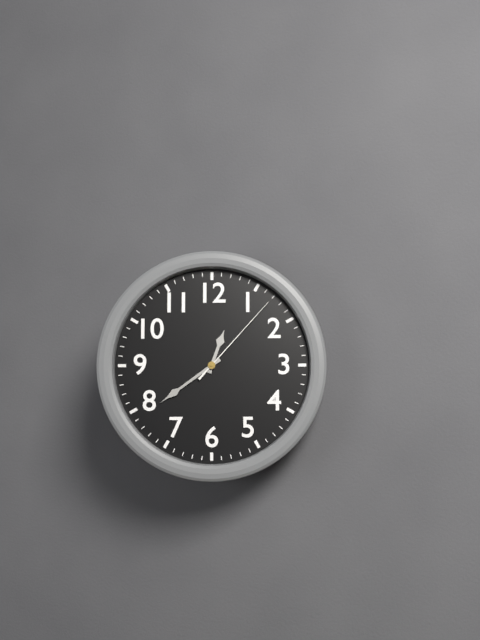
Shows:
12h39m07s
